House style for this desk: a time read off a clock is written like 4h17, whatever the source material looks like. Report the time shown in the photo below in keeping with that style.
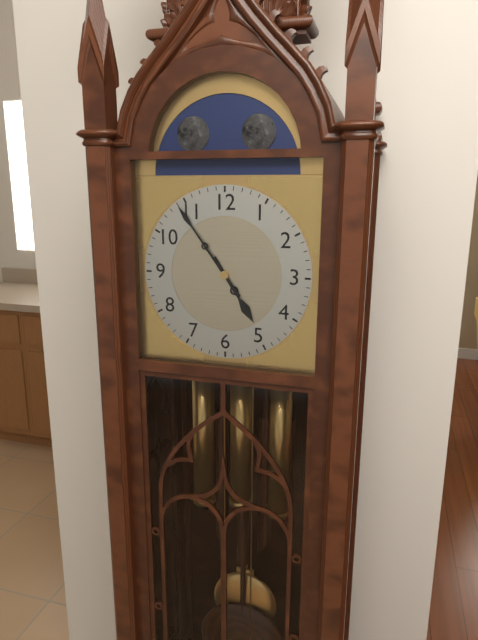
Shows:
4h54
